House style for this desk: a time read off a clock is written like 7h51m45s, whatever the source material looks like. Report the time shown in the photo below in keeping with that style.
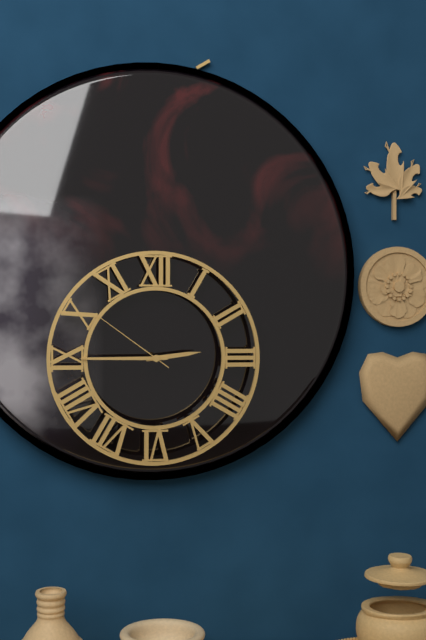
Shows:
2h45m51s
